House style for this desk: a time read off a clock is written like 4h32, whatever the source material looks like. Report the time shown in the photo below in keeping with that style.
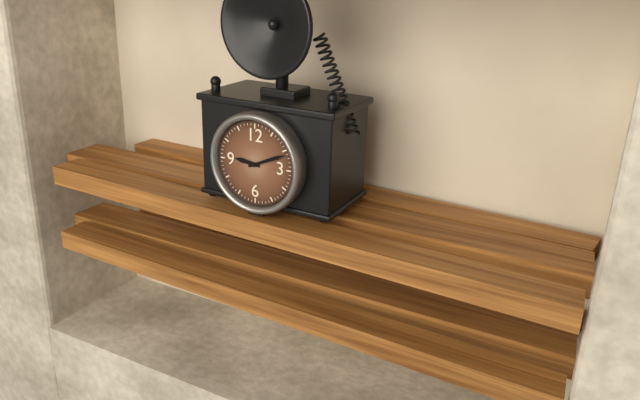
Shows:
9h11
